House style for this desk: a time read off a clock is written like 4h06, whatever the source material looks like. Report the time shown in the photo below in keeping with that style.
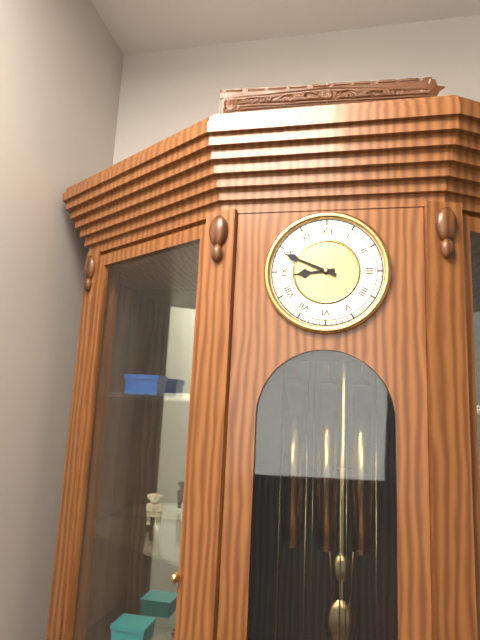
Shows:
8h49
